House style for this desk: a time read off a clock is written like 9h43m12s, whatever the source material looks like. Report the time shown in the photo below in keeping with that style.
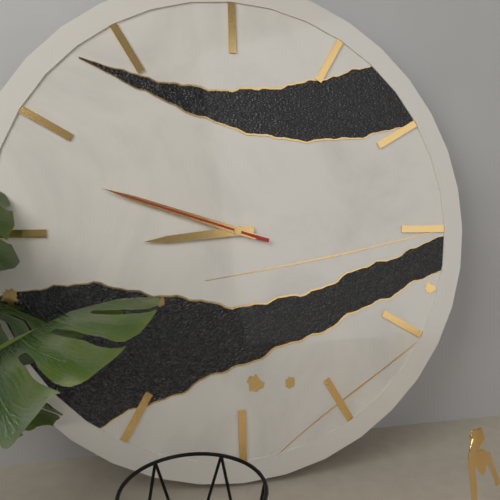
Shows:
8h48m48s
